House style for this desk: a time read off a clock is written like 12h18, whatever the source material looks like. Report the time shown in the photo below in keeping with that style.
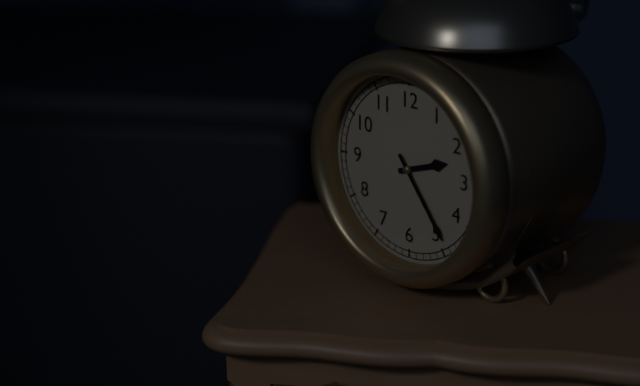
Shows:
2h24
